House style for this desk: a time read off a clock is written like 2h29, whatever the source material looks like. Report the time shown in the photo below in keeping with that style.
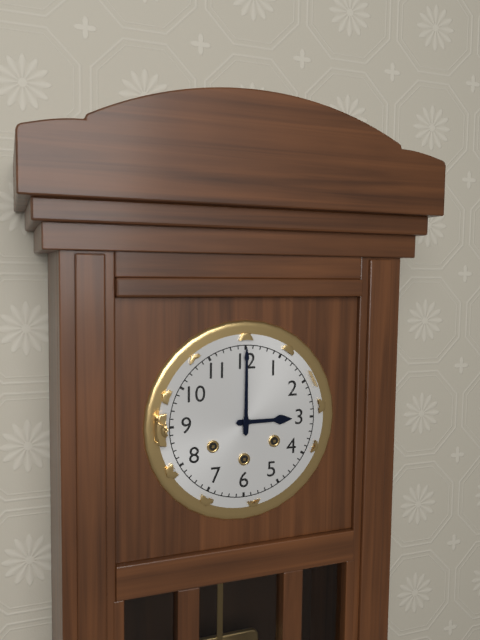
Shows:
3h00
